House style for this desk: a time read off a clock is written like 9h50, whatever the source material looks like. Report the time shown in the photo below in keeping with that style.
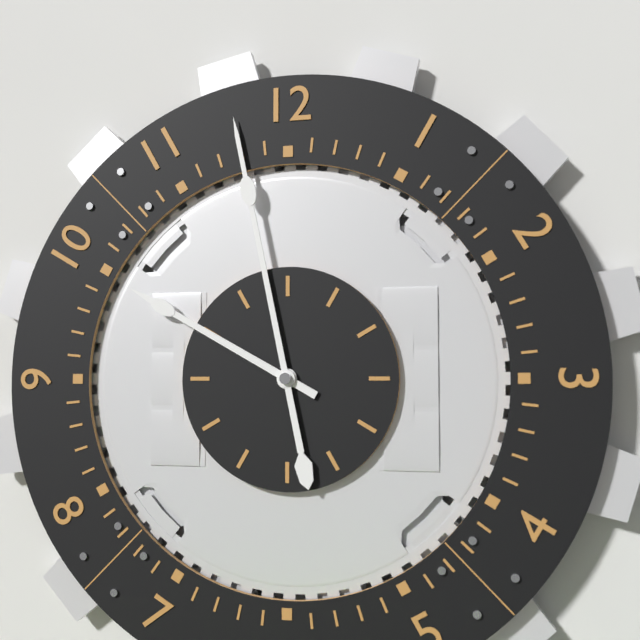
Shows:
9h58
